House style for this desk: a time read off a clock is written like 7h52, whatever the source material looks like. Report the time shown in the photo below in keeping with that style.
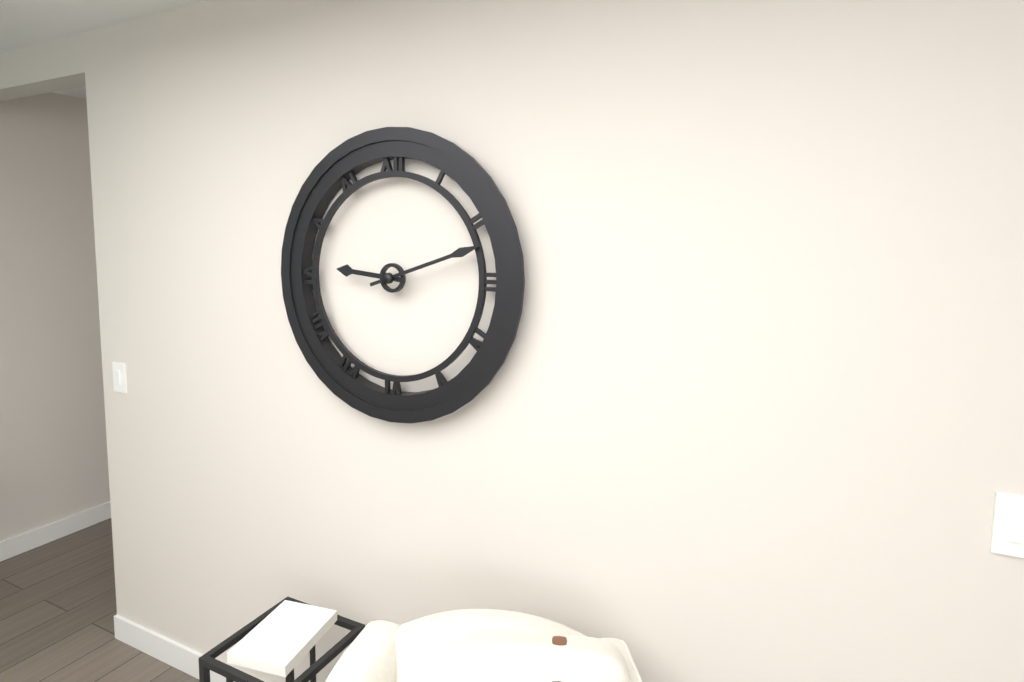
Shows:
9h12
